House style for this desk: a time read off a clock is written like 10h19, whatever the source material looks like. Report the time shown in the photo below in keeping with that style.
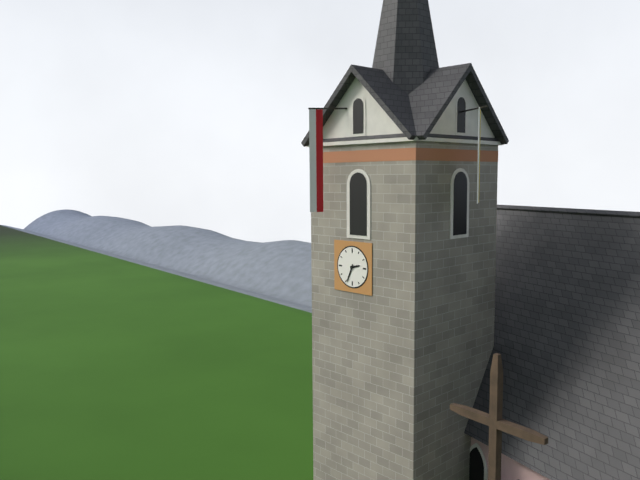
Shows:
2h34
